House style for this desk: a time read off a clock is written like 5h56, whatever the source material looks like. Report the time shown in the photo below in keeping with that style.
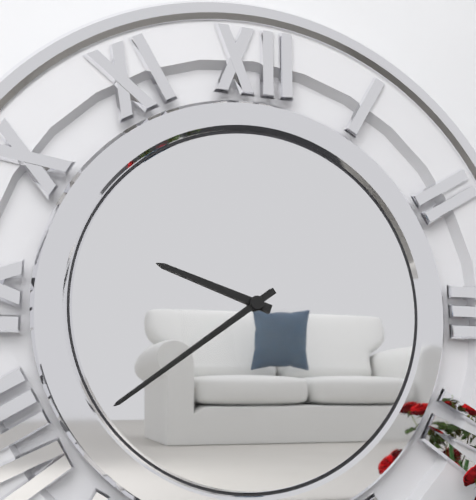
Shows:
9h39
